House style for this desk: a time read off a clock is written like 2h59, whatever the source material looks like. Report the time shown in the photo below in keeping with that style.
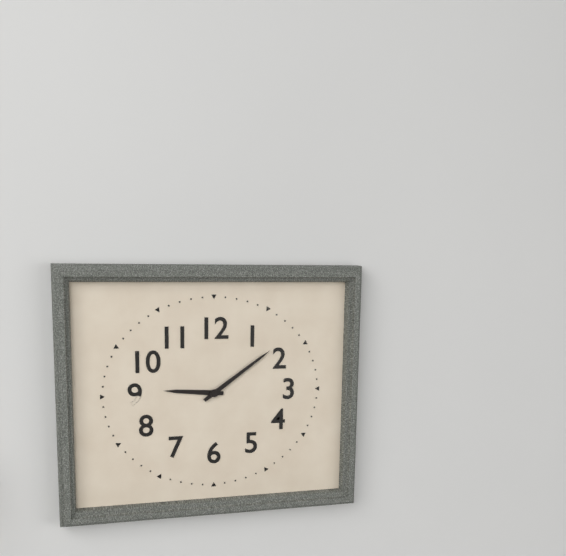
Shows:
9h09
